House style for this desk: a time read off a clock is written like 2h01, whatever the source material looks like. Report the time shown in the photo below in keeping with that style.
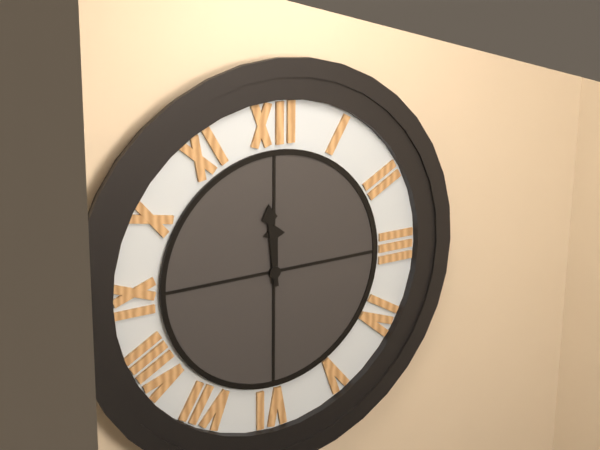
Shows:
11h59
